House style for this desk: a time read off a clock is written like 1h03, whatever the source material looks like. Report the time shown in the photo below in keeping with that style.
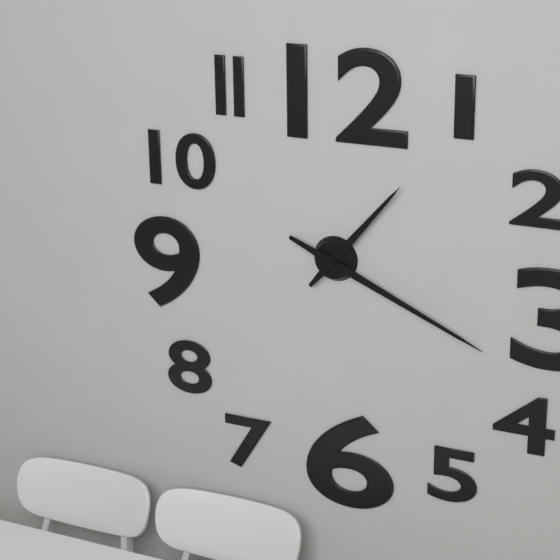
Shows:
1h19
